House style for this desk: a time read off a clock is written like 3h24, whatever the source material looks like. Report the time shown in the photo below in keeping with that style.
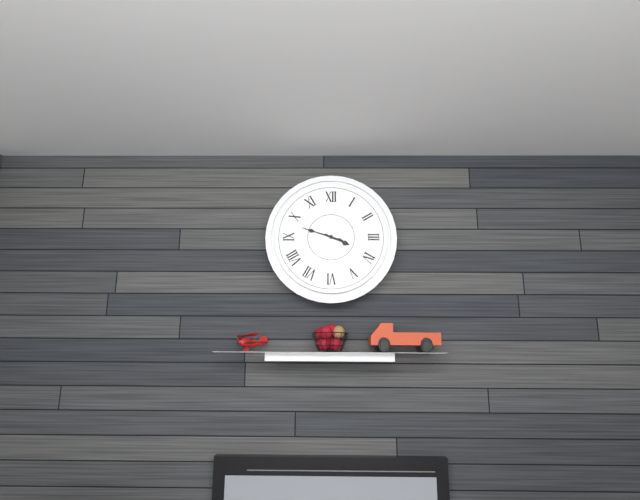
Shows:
3h48
